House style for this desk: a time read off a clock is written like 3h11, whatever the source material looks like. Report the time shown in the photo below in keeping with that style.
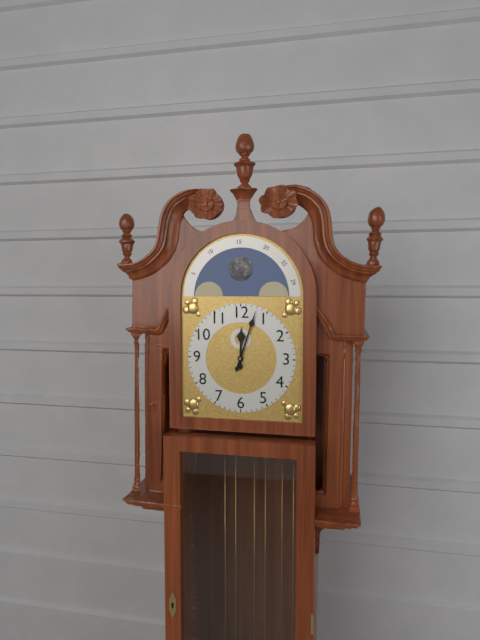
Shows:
12h03
